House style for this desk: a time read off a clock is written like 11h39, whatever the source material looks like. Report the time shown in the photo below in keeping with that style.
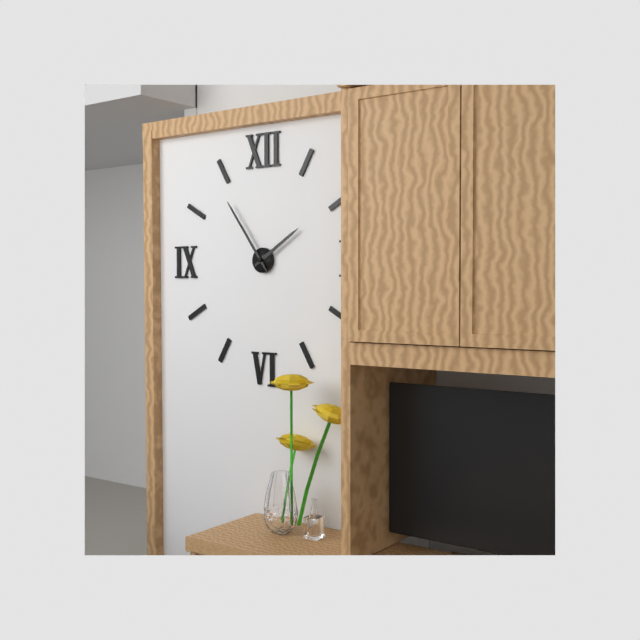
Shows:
1h54
